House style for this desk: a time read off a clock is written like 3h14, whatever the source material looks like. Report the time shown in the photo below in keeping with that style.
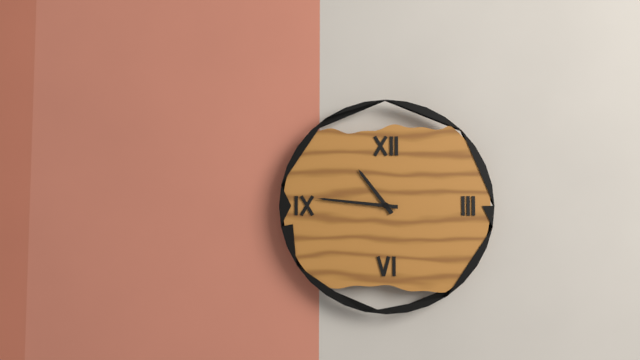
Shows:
10h46
